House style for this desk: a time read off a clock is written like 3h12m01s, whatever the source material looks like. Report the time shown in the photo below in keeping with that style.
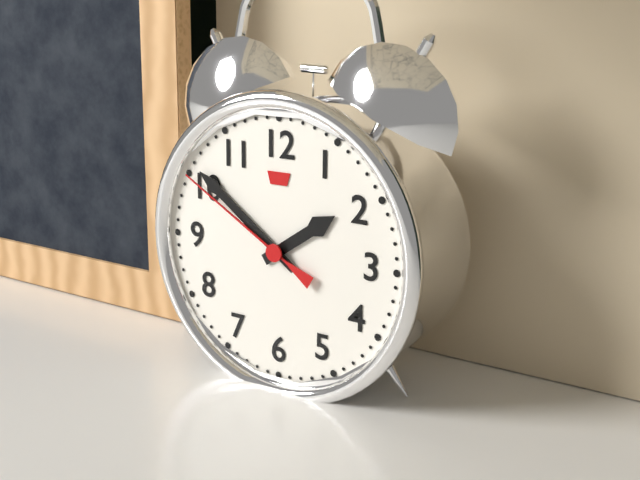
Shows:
1h51m50s
